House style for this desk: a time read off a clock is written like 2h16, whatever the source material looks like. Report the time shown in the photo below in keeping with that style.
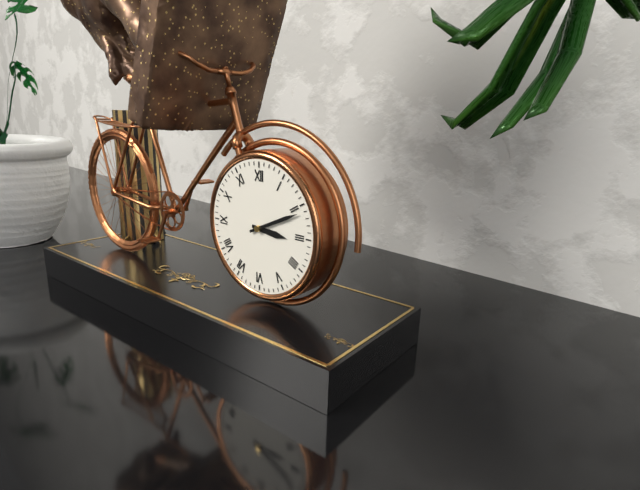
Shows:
3h11
